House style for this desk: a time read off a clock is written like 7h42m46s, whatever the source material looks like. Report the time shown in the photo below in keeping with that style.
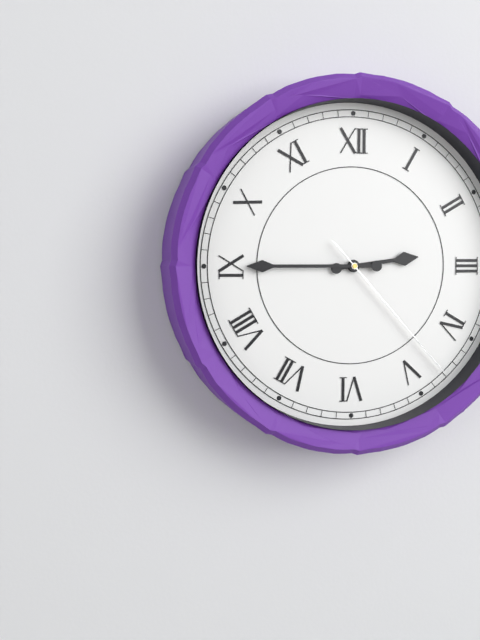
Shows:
2h45m23s
